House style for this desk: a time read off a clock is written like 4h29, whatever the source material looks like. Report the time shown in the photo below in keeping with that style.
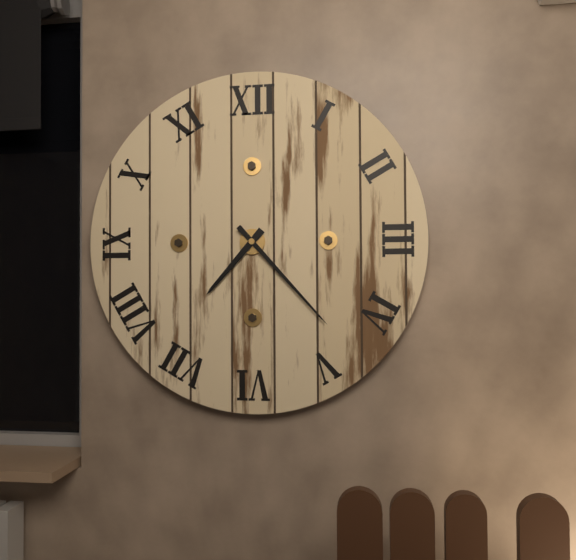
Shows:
7h23
